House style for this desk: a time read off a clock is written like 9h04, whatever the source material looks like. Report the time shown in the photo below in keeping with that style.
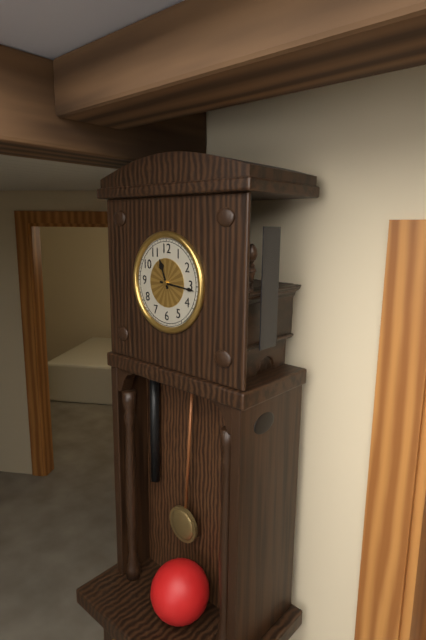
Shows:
11h16
